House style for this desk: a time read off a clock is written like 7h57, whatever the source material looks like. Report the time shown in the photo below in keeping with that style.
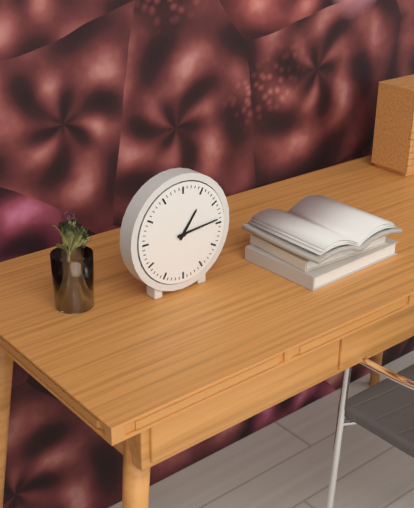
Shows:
1h14
